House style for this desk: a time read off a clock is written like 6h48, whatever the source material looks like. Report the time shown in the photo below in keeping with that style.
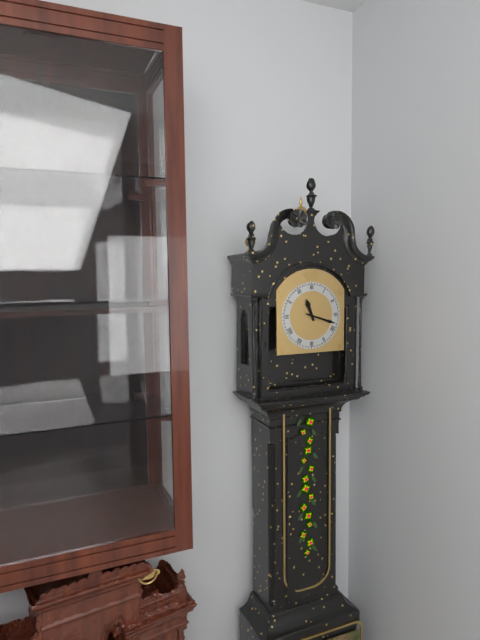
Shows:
11h18
